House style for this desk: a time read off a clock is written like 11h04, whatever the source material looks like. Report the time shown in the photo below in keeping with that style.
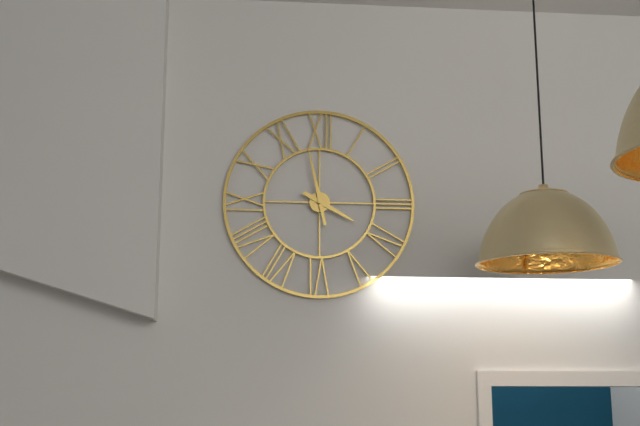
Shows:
3h58
